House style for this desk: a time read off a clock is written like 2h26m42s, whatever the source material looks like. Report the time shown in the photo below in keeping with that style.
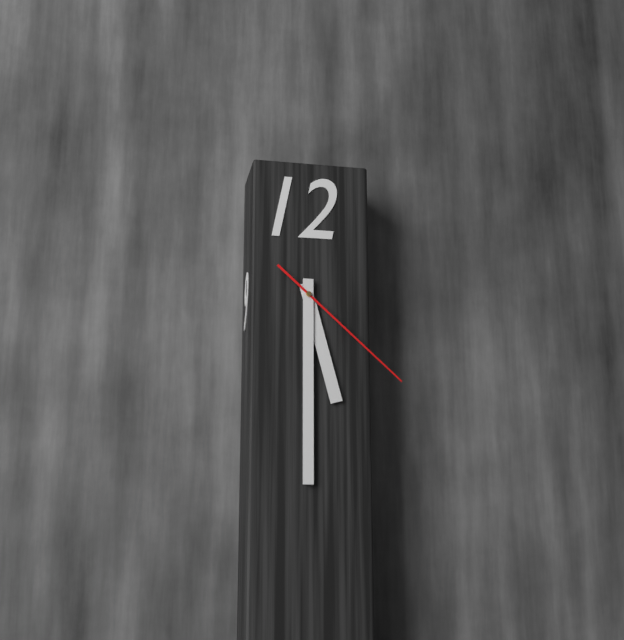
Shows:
5h30m22s
